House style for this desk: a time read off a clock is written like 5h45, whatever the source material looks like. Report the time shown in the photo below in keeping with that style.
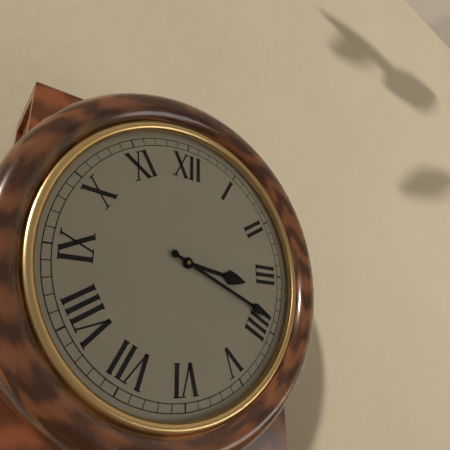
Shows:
3h19
